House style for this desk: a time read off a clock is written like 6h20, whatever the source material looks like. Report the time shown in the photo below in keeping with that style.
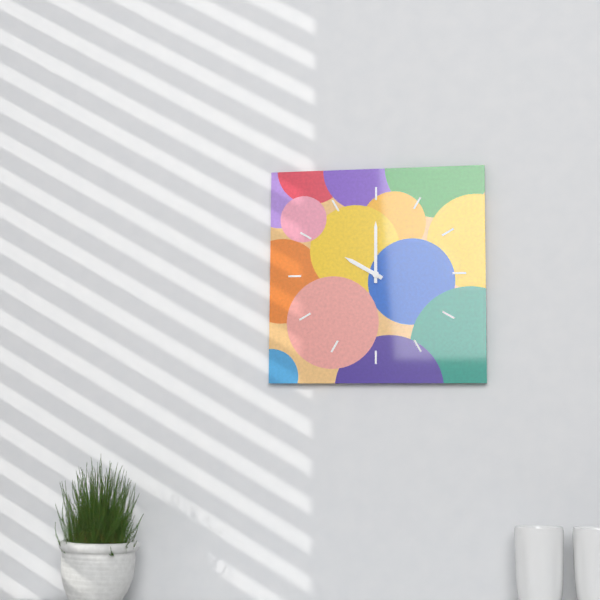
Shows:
10h00
